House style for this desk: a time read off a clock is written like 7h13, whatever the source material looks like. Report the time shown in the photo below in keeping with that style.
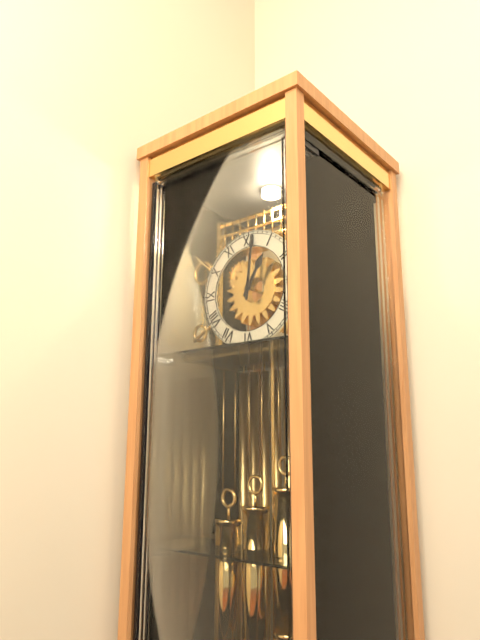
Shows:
1h01
